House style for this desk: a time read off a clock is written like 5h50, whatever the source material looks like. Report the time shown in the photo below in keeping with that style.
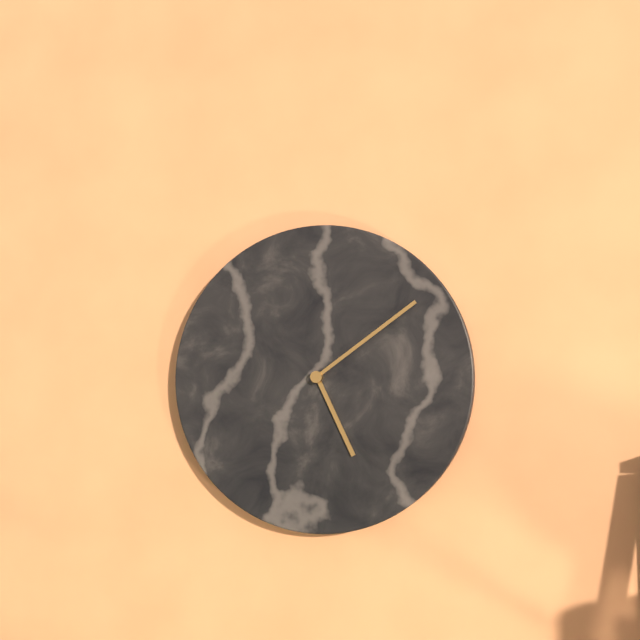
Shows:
5h09
